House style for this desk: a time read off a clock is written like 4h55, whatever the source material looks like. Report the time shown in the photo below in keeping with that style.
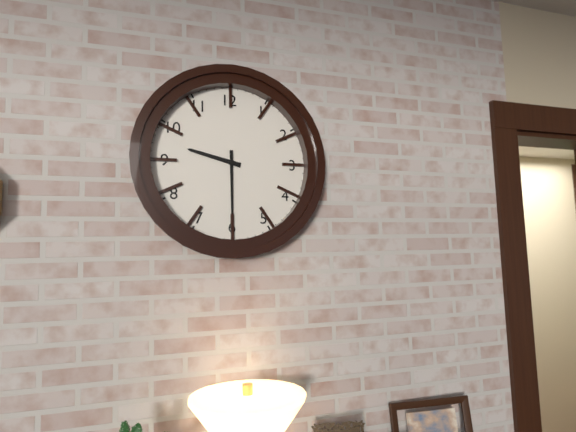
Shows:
9h30
